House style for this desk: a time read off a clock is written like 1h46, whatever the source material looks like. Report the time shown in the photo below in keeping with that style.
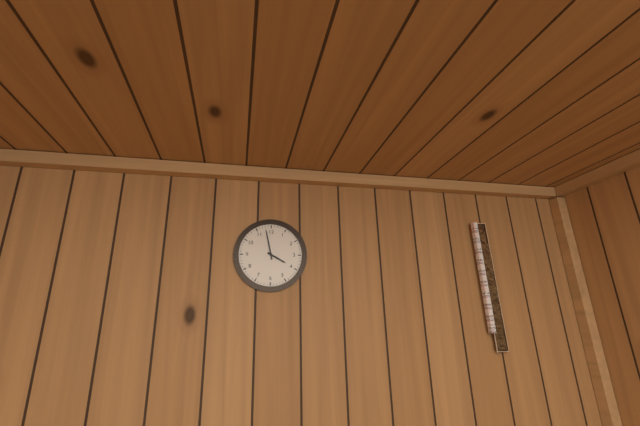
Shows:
3h58
